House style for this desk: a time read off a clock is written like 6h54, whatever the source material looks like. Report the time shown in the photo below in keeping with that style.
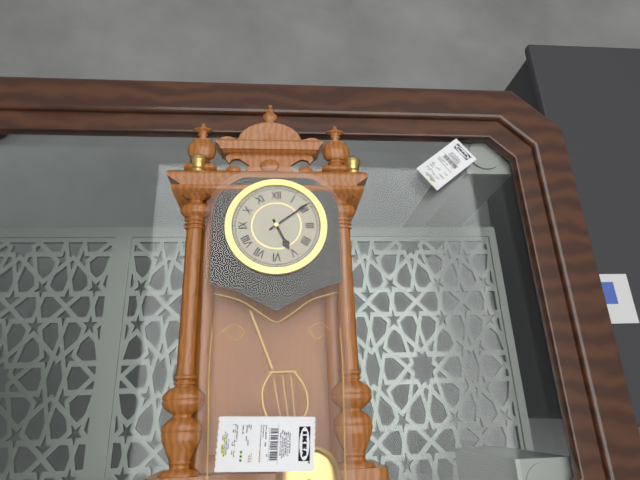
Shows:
5h09
